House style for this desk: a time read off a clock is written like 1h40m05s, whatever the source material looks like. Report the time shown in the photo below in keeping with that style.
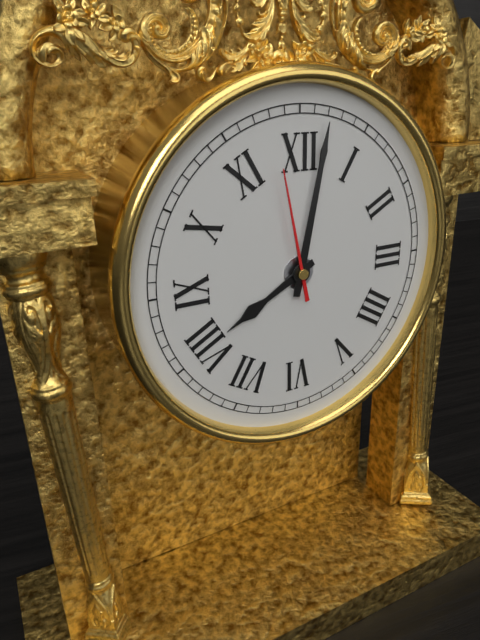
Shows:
8h02m58s
